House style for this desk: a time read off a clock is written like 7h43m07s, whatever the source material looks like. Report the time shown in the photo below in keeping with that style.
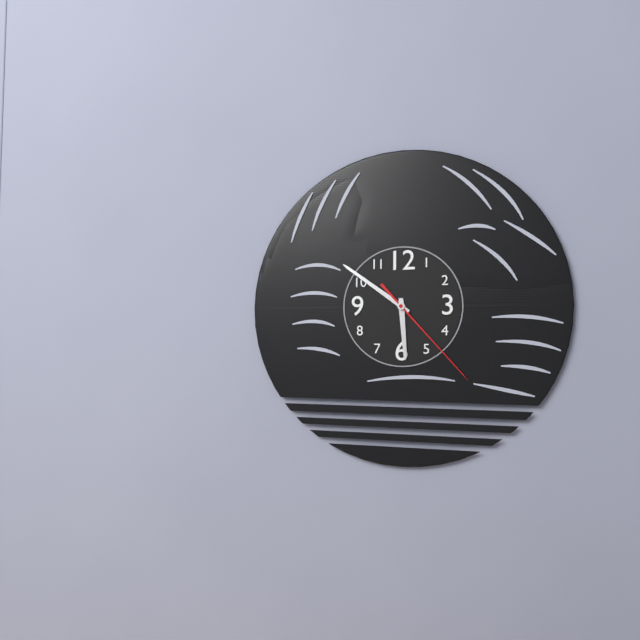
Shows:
5h51m23s
